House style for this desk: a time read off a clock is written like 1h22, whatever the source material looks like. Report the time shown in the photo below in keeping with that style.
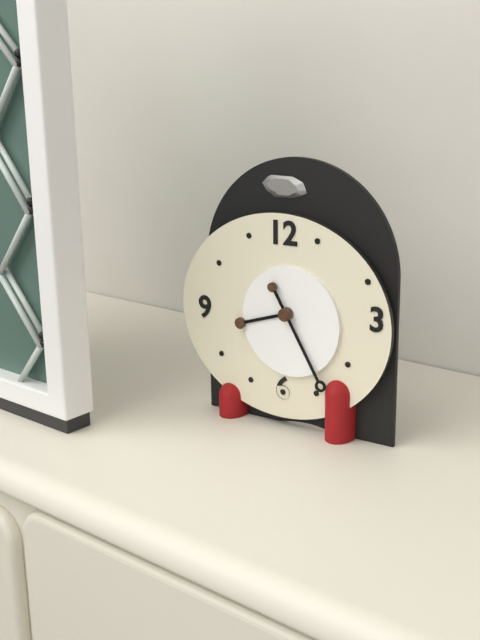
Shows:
8h25
